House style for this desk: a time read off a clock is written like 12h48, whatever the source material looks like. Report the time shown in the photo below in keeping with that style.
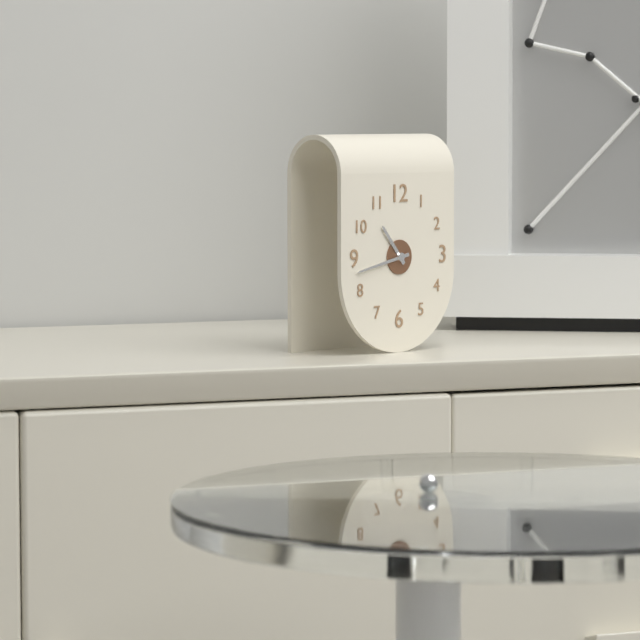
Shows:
10h43
